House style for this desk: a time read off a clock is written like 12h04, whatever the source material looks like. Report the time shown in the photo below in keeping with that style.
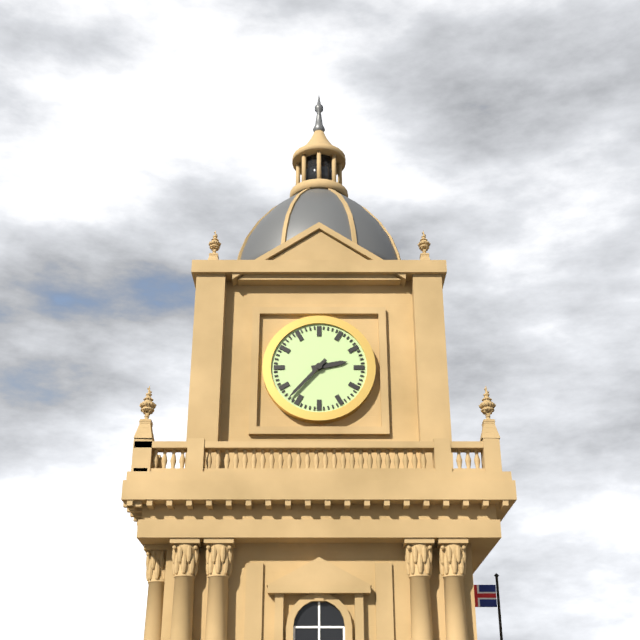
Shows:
2h37
